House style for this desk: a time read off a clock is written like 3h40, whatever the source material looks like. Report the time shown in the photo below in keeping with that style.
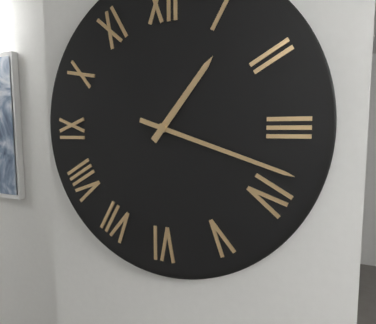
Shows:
1h18
